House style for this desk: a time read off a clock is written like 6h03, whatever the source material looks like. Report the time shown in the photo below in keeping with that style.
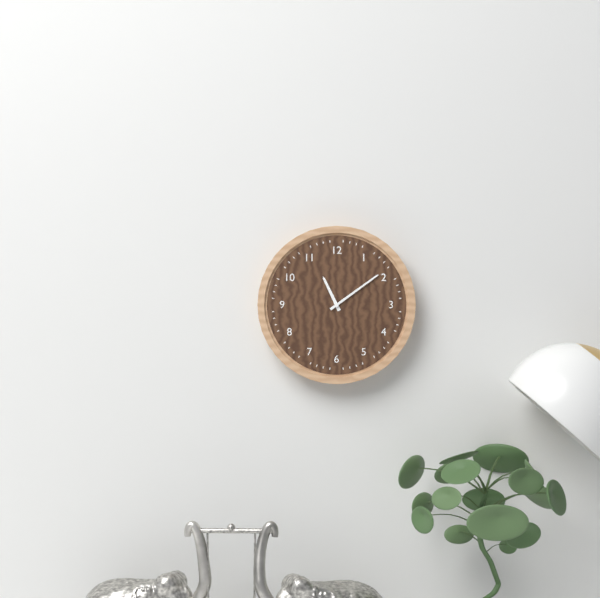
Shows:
11h09
